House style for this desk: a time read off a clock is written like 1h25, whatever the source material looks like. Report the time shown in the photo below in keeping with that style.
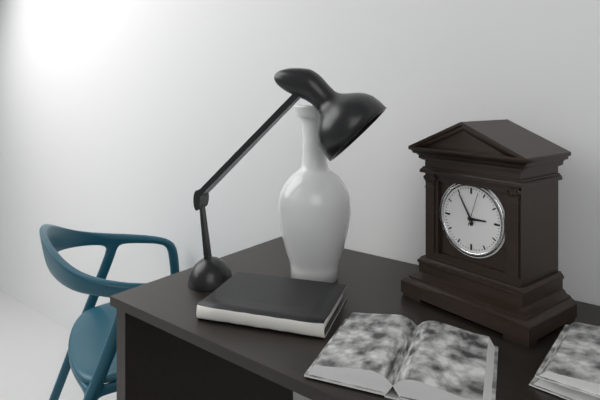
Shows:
2h55
